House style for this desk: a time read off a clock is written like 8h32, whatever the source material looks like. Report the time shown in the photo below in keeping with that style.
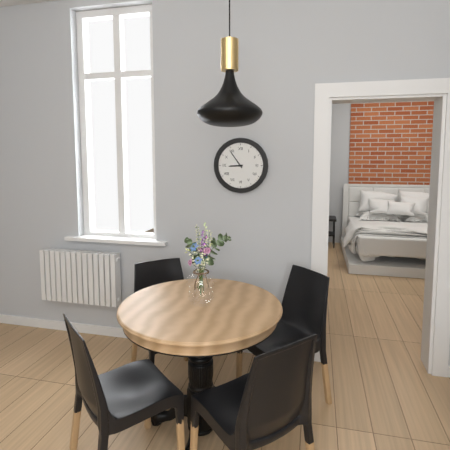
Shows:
8h54
